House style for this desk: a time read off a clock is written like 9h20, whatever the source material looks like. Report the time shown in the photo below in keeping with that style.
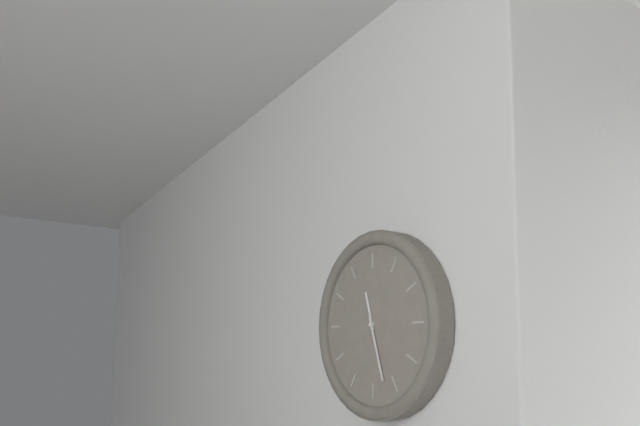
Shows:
11h27
